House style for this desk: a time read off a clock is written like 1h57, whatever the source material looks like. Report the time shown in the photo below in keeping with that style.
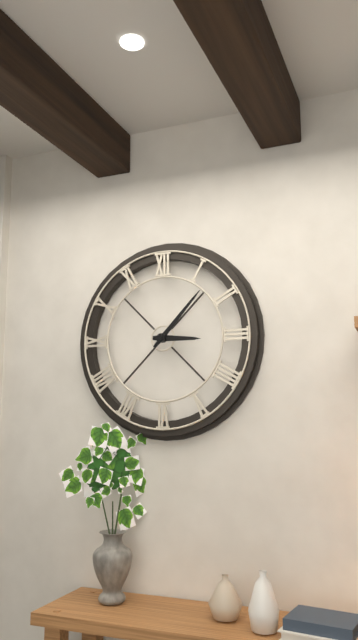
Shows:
3h07
